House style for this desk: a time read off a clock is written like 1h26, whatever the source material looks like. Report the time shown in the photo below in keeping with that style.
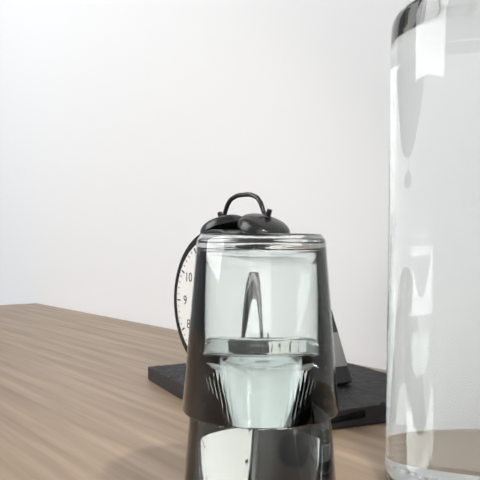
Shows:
12h37
